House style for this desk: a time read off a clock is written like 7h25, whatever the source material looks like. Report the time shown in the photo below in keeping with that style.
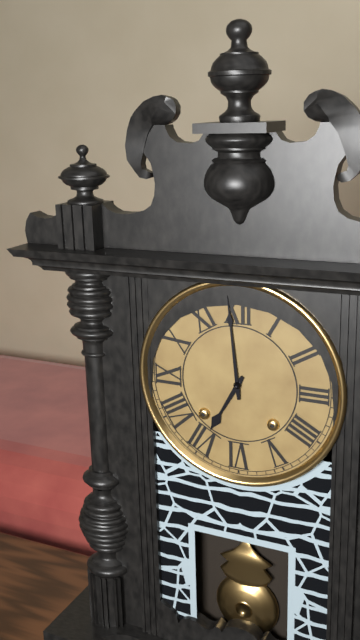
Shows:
6h59
